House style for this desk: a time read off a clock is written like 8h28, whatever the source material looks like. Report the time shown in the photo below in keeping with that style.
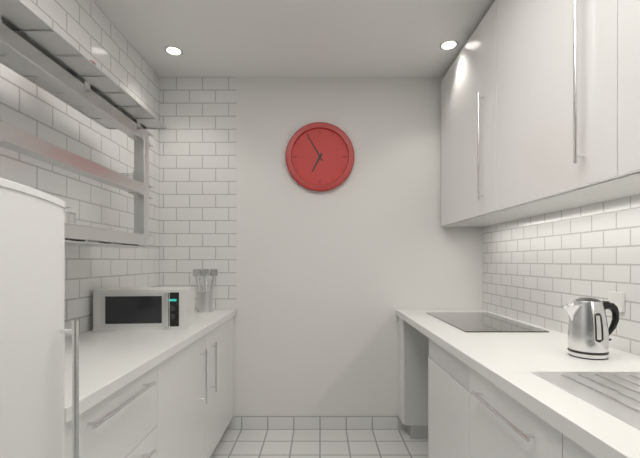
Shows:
6h55
